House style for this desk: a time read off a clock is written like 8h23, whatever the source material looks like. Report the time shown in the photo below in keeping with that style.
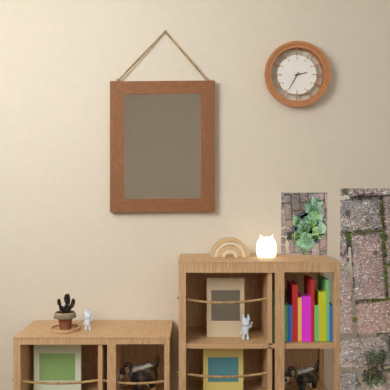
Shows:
2h35
